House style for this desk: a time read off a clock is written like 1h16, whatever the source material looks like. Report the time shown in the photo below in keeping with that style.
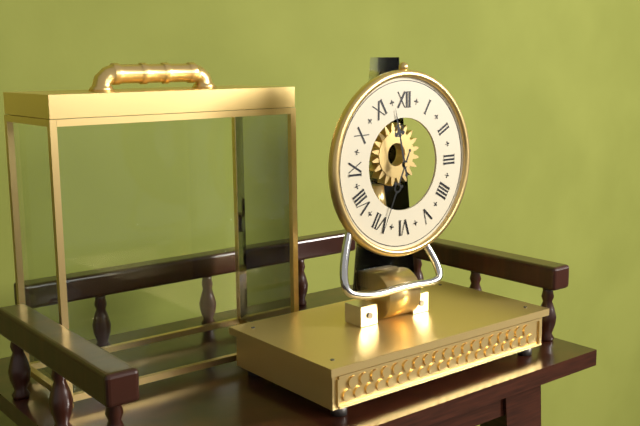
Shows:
11h34
